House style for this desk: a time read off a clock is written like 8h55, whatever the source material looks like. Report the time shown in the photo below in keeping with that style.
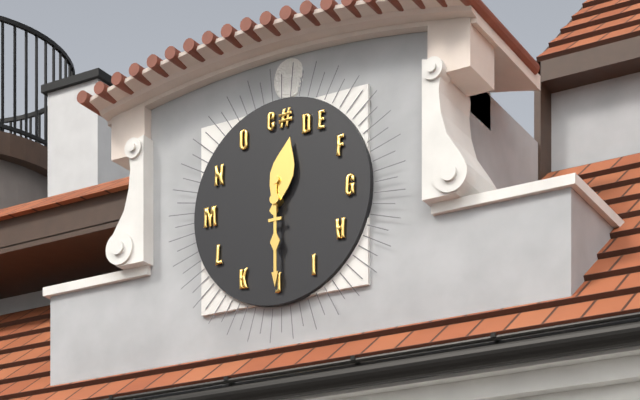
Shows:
12h30
